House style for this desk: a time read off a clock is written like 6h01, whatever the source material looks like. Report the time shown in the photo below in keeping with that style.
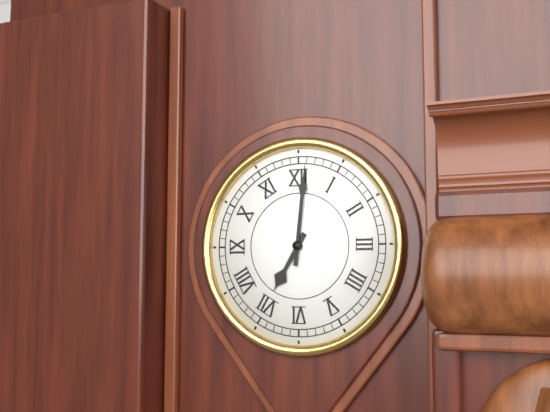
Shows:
7h01
